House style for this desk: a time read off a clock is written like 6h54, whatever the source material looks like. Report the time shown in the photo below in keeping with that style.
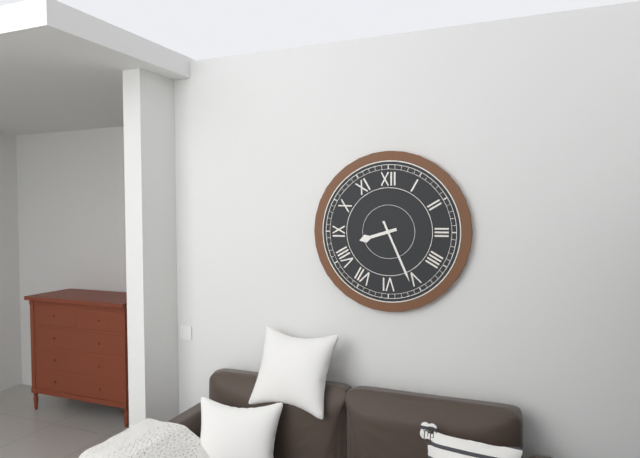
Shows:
8h26
